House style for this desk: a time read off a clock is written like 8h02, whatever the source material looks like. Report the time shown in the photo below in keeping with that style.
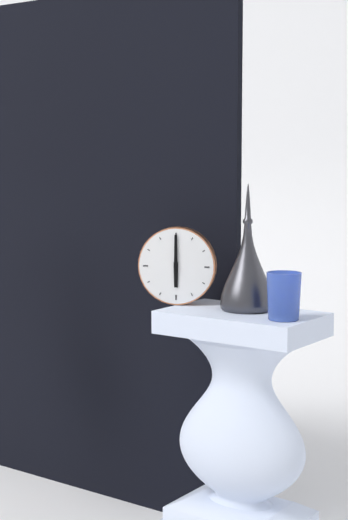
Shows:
6h00
